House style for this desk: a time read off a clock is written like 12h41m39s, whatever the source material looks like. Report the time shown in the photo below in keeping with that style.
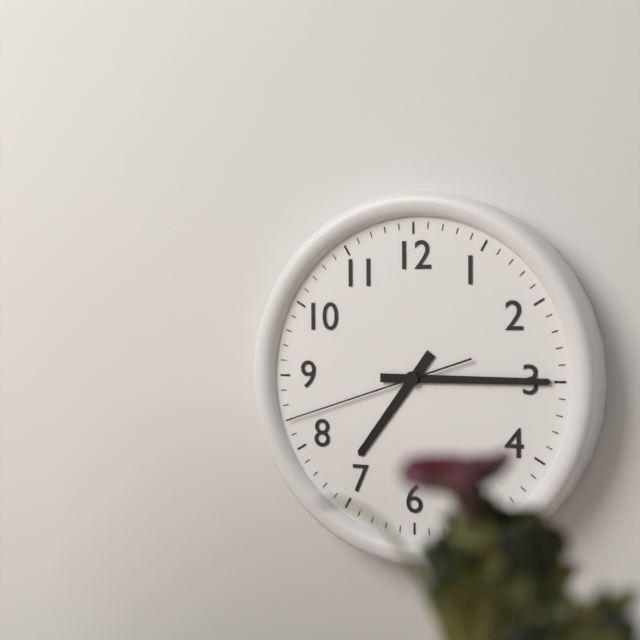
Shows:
7h15m42s
